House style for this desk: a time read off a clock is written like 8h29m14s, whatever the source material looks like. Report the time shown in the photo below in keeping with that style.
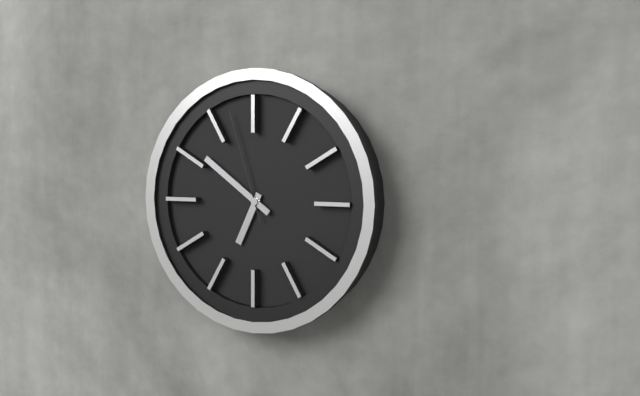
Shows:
6h51m57s
